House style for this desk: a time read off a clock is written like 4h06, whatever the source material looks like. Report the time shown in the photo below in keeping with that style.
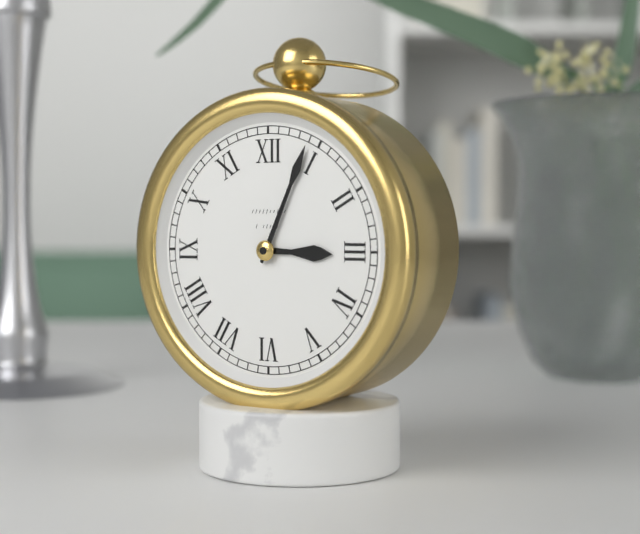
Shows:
3h04
